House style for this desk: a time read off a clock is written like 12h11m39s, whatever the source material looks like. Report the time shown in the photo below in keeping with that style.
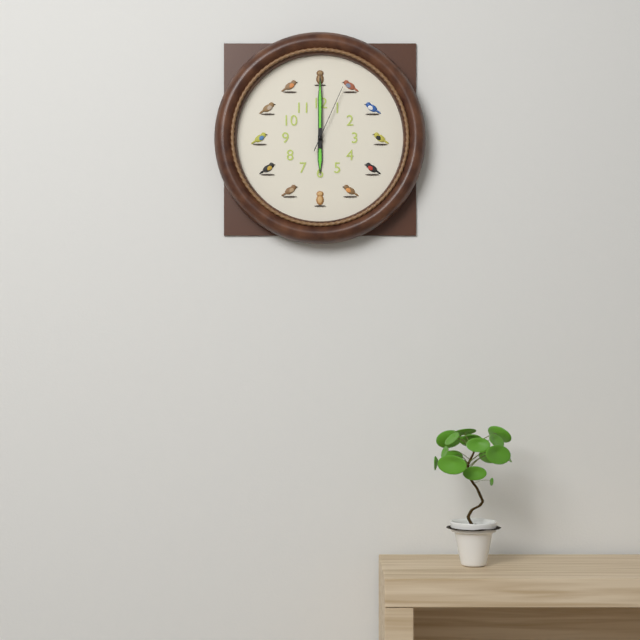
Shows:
6h00m04s
